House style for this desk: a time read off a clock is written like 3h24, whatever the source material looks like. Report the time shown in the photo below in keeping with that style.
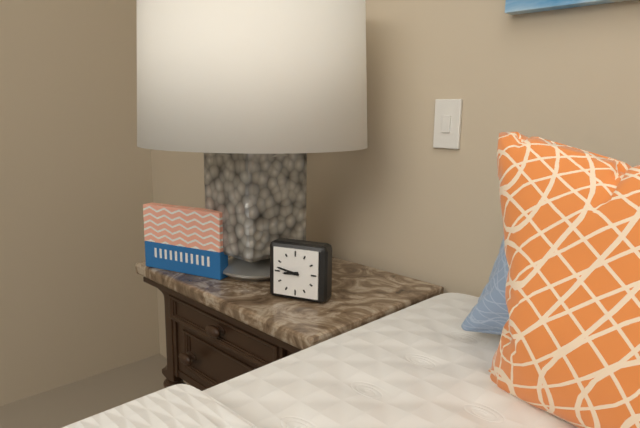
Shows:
8h47
